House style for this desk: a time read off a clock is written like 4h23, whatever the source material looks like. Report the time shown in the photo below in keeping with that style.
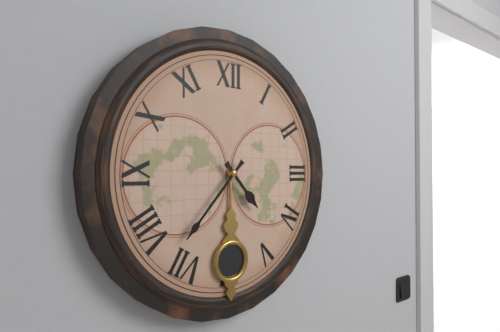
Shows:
4h37
